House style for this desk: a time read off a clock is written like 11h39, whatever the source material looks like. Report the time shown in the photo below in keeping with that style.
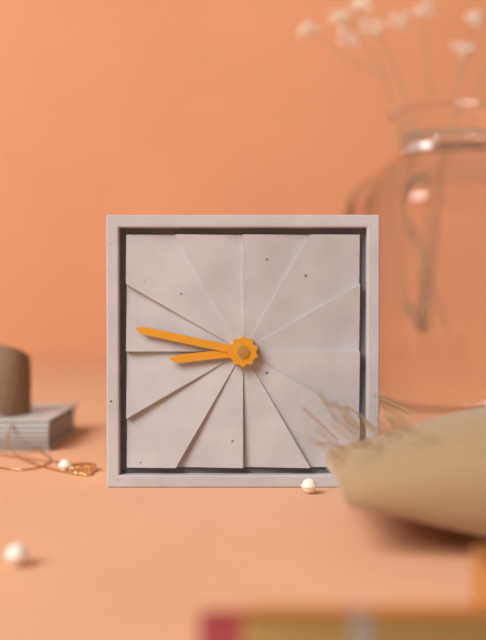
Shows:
8h47
